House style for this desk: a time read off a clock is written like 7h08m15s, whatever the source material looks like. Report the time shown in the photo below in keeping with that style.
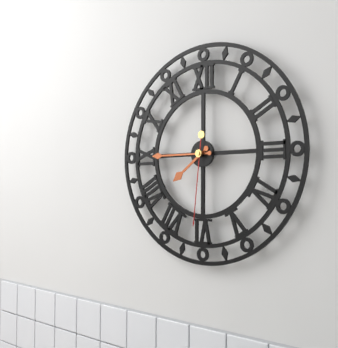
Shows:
7h45m31s
